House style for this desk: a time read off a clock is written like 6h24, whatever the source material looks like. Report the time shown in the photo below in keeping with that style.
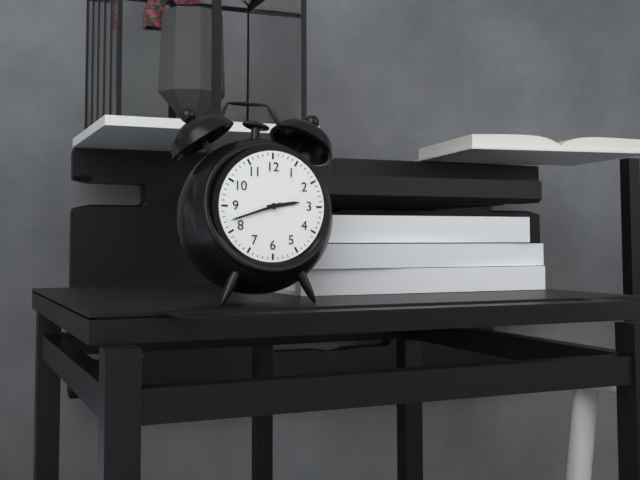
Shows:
2h42
